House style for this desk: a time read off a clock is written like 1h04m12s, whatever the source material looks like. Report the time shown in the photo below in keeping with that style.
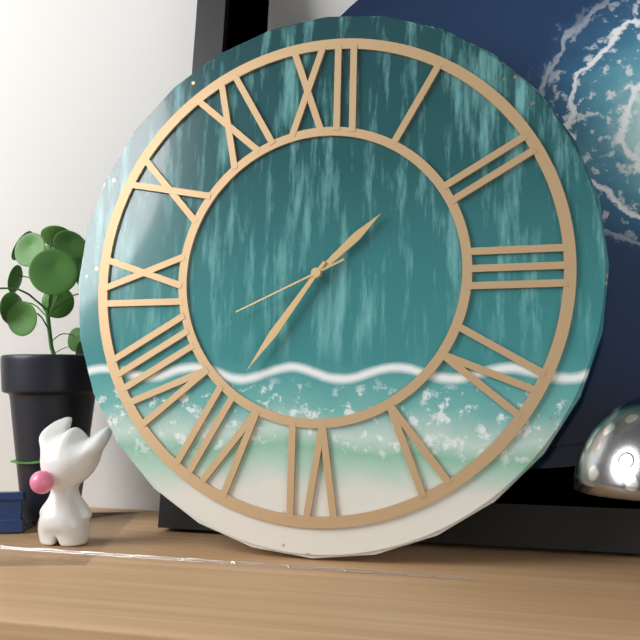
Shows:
1h36m41s
